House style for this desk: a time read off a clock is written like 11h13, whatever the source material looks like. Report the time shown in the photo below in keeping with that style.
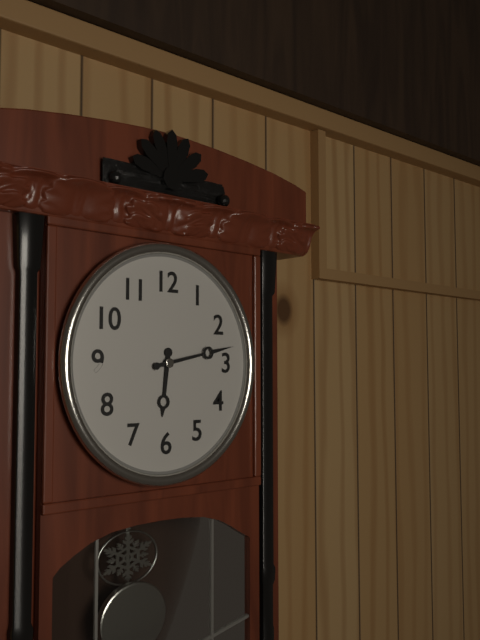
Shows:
6h13
